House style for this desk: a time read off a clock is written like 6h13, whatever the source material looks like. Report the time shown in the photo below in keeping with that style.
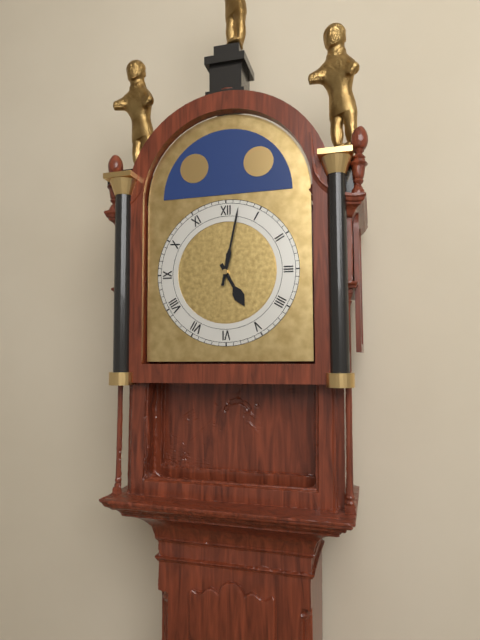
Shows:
5h02
